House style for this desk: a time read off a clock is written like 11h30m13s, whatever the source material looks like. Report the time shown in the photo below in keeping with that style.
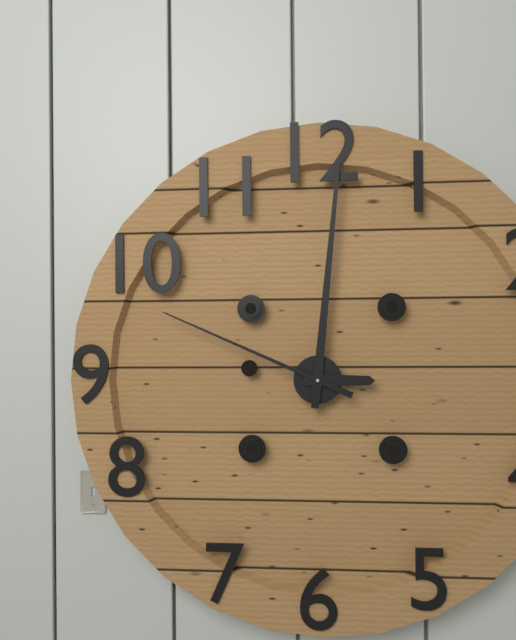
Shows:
3h01m49s
